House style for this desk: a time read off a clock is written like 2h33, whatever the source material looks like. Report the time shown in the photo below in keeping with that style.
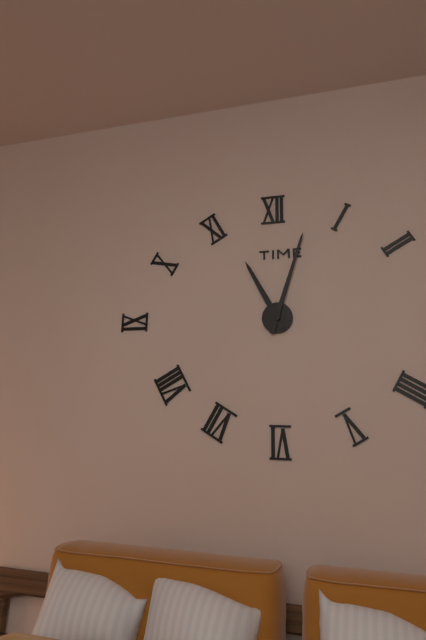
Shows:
11h03
